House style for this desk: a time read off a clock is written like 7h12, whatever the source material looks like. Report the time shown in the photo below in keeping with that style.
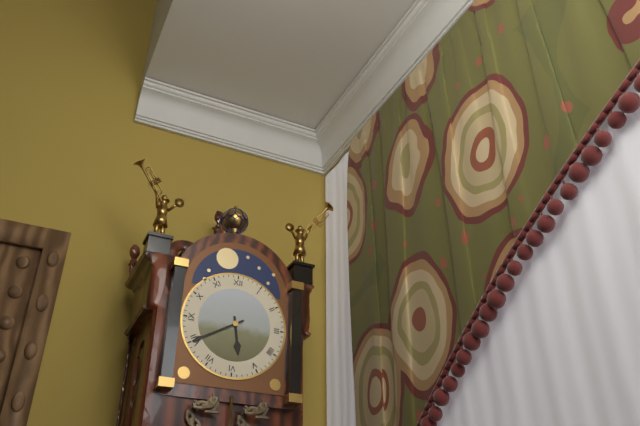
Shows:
5h40
